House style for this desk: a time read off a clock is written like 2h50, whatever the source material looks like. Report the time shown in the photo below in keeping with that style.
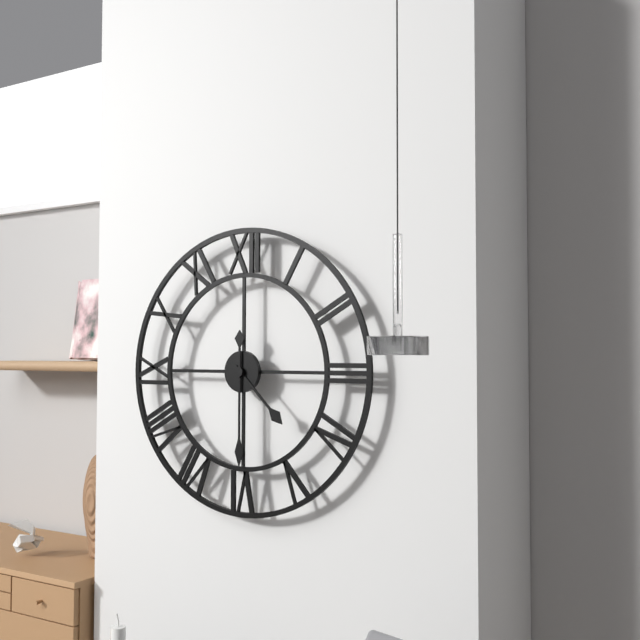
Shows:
4h30
